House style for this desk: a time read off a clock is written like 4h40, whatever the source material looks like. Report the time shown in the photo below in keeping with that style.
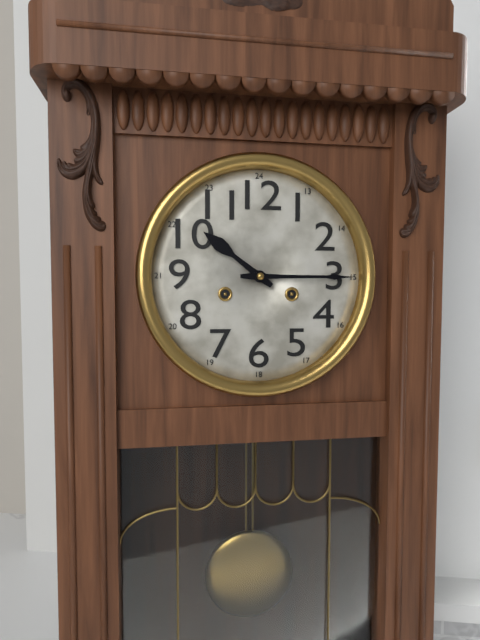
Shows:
10h15
